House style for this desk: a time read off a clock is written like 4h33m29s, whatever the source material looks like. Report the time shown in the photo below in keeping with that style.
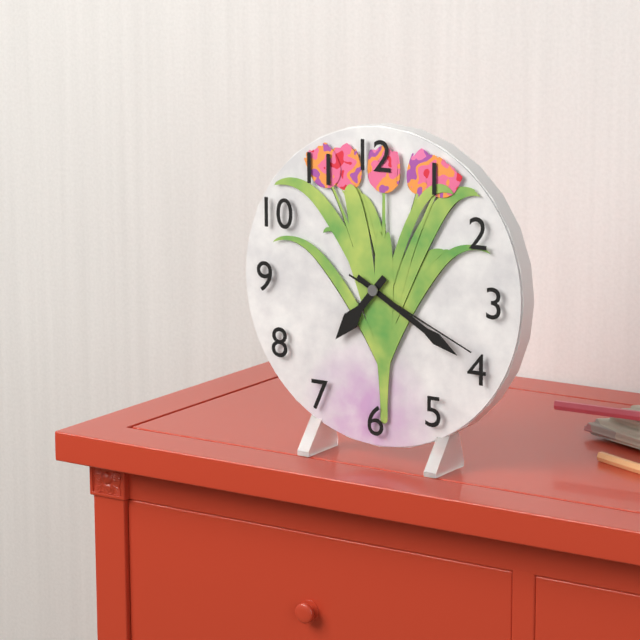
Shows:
7h20m19s
